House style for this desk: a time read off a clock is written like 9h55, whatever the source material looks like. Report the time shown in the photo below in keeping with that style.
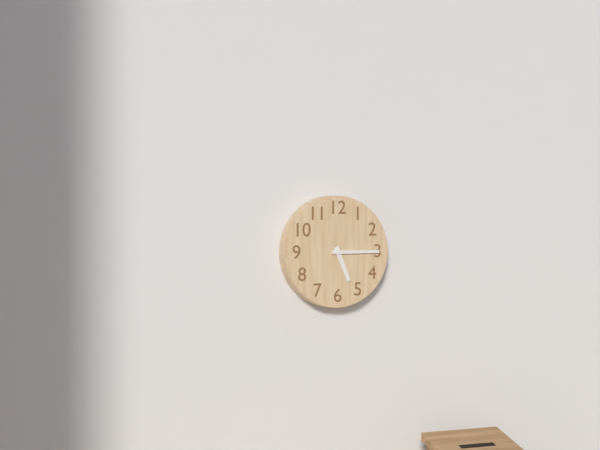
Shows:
5h15
